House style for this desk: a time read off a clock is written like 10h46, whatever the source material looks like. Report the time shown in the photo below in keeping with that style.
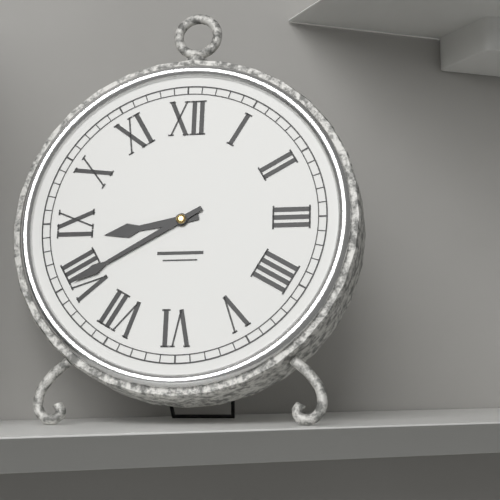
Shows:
8h40
